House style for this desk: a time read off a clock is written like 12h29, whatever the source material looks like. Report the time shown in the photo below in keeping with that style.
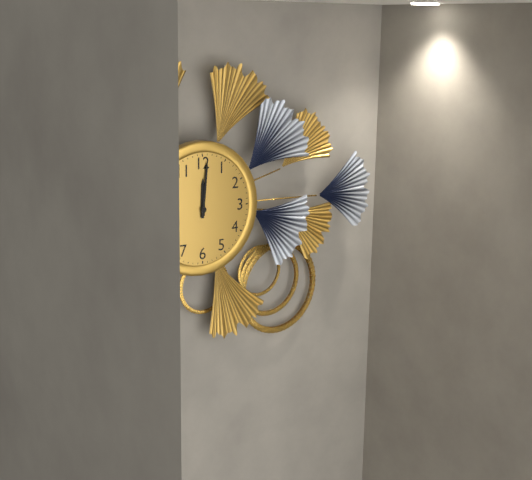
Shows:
12h01
